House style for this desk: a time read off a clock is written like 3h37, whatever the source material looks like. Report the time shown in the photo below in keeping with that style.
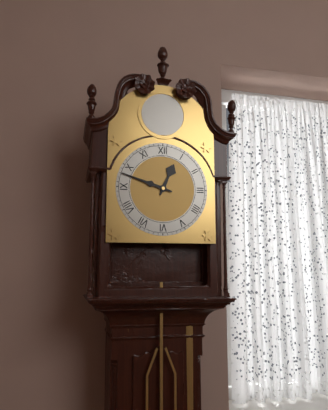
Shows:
12h48
